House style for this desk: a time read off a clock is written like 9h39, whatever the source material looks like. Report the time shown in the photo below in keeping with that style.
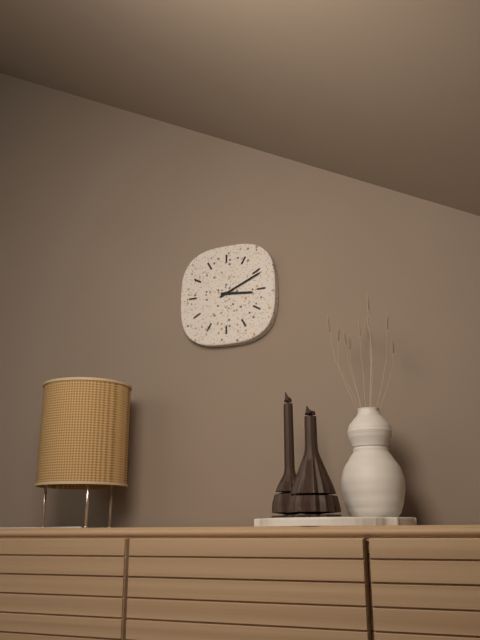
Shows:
3h11
